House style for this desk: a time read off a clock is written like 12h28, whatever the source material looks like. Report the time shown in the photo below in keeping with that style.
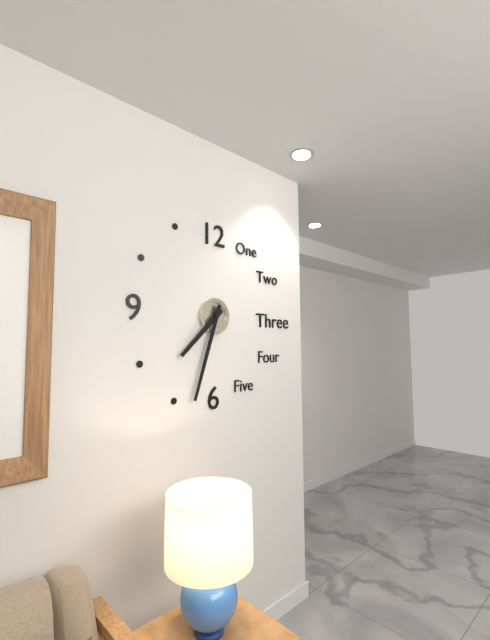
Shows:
7h33
